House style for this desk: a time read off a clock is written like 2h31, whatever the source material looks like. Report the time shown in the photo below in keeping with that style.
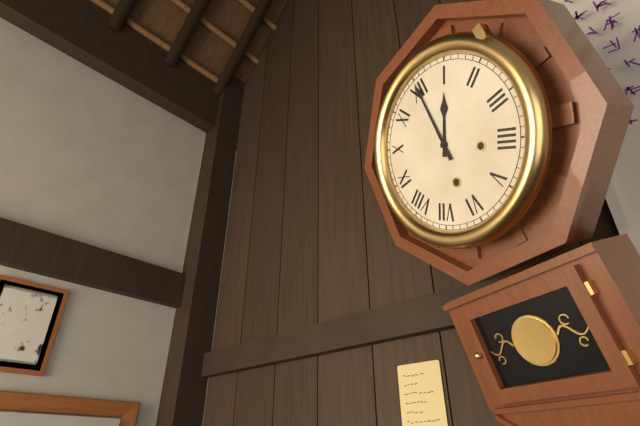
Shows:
1h00
